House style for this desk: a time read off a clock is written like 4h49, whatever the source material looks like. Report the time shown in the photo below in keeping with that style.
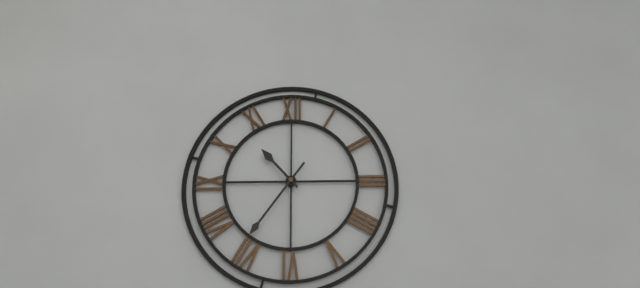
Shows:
10h36
